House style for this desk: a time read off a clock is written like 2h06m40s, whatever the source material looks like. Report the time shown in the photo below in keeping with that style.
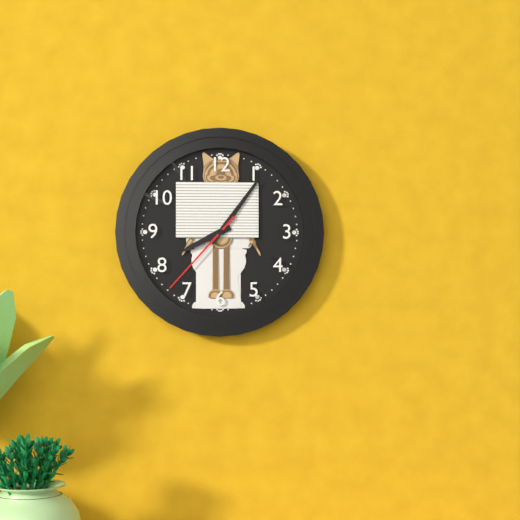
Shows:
8h06m37s
